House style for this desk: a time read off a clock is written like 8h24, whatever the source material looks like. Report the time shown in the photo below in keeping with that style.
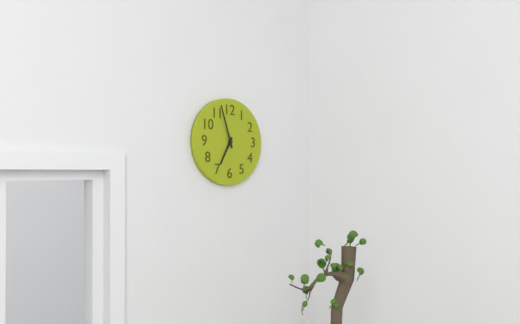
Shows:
6h57
